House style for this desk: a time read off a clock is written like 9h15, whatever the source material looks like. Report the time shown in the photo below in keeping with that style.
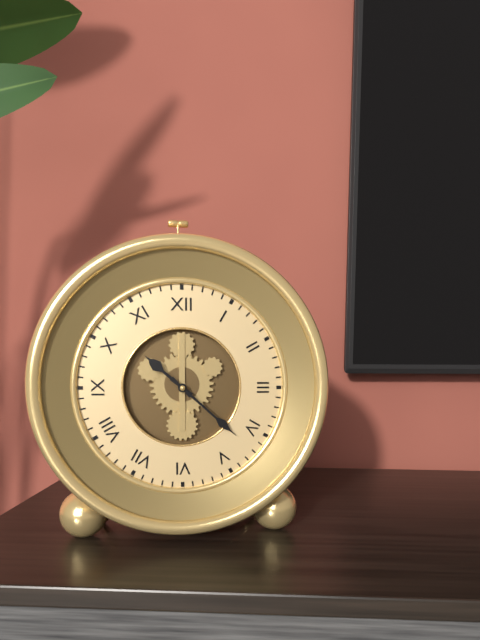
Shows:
10h22
